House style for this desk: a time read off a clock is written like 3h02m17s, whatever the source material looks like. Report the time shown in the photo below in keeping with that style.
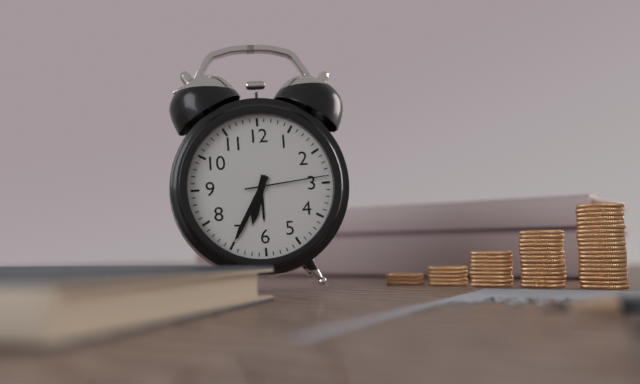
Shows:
6h35m14s
